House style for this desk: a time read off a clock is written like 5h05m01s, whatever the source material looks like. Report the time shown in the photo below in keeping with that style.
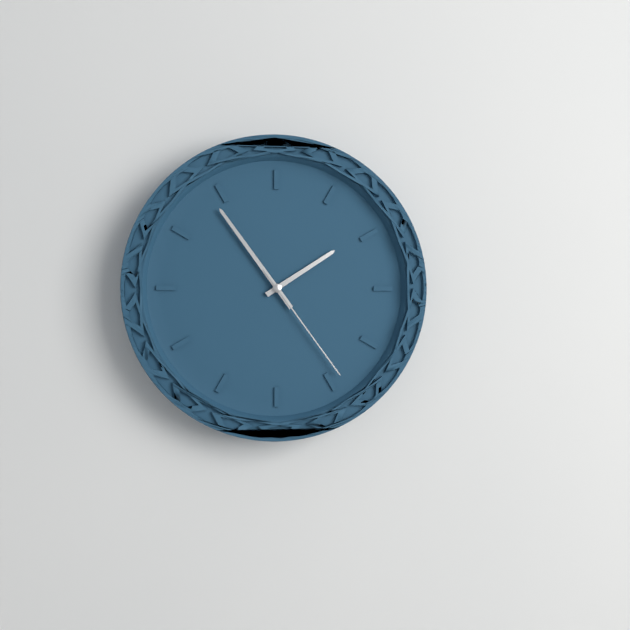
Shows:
1h54m24s
